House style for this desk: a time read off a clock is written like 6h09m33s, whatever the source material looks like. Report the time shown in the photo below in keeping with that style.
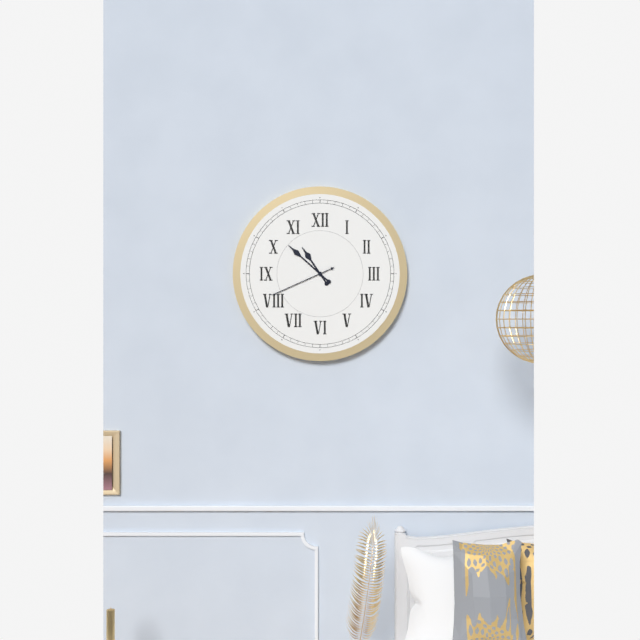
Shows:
10h52m41s
